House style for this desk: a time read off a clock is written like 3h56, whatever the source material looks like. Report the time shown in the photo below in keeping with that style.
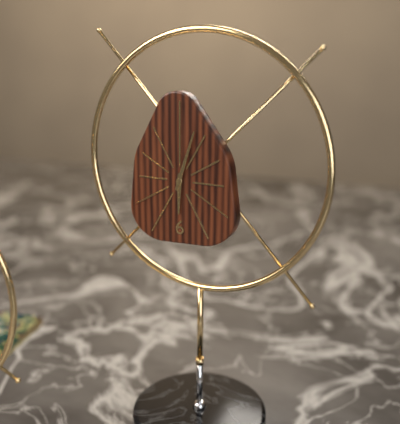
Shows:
6h03
